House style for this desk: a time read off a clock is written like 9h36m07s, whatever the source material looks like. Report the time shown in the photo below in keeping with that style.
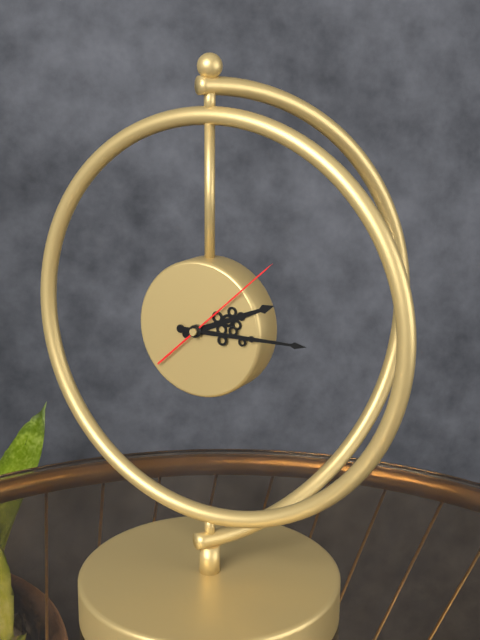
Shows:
2h15m08s
